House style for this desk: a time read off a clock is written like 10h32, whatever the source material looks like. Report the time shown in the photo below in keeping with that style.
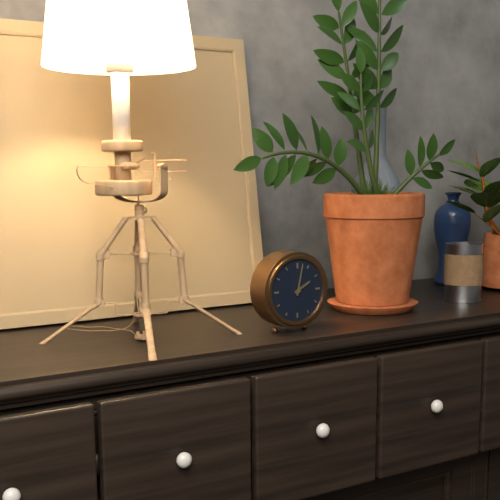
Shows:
2h02
